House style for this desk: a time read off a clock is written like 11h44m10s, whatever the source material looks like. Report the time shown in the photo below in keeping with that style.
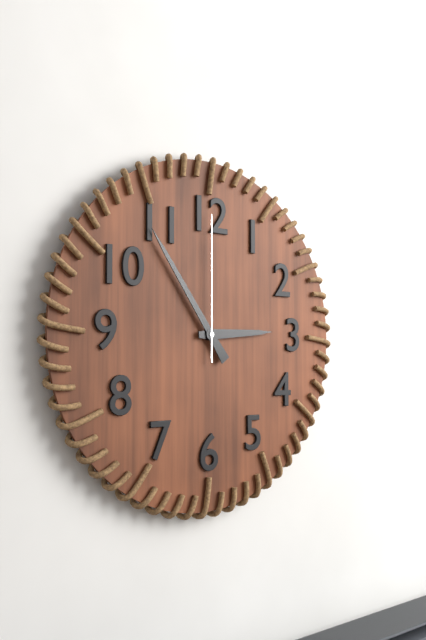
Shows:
2h54m00s
